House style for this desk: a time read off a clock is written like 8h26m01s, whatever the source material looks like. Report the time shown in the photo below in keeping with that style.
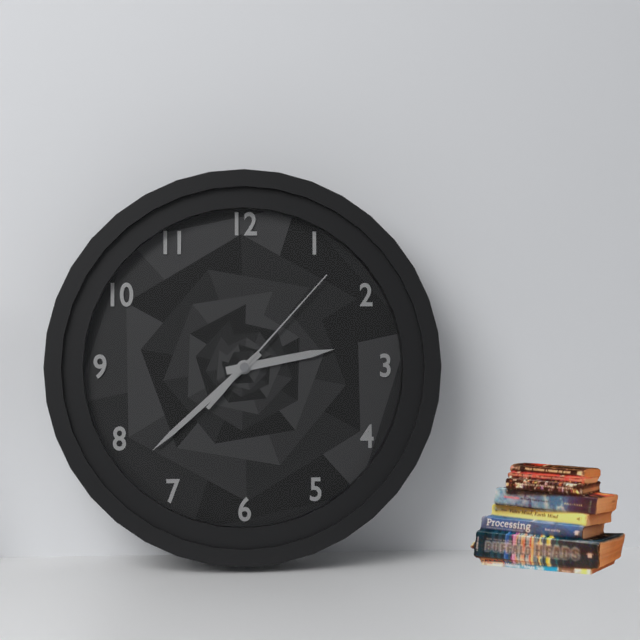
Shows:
2h38m07s
